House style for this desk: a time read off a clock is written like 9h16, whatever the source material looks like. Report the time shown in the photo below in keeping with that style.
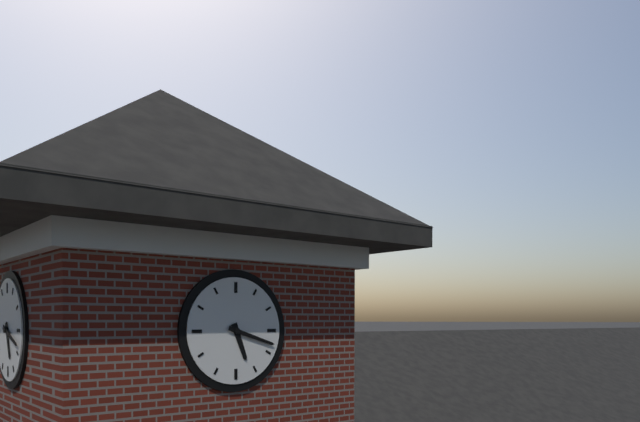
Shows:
5h18
